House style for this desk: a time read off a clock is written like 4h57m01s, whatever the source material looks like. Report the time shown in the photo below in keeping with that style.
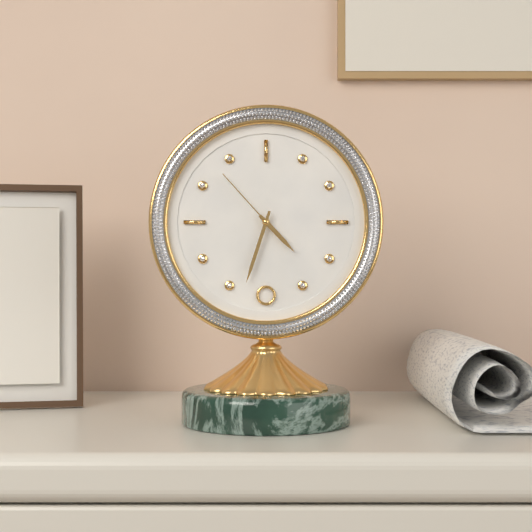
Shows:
4h33m53s
